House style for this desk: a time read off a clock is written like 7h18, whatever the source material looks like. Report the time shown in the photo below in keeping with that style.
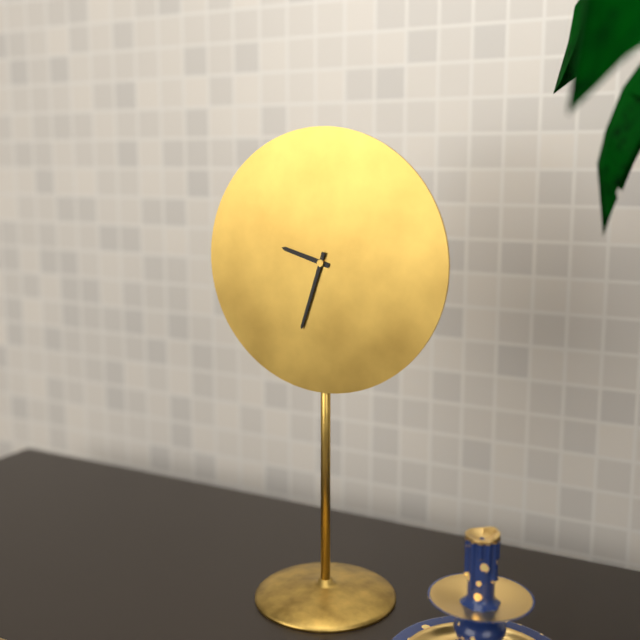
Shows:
9h33
